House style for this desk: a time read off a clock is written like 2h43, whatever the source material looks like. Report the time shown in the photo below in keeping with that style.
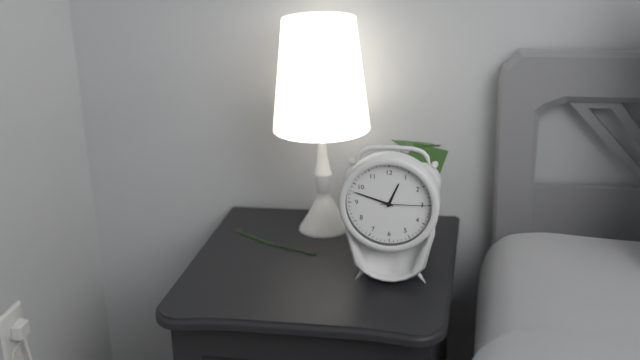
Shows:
12h48
